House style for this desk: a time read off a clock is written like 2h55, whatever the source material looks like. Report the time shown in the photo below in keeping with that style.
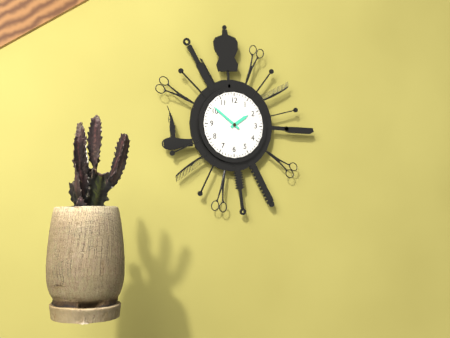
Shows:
1h51
